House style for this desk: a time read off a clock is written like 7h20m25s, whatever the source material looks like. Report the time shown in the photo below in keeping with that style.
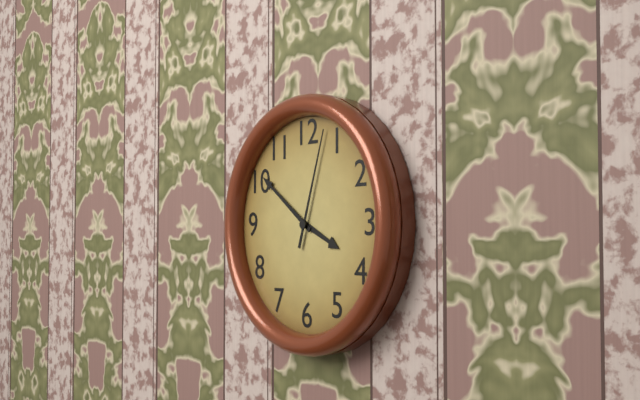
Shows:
3h51m03s
